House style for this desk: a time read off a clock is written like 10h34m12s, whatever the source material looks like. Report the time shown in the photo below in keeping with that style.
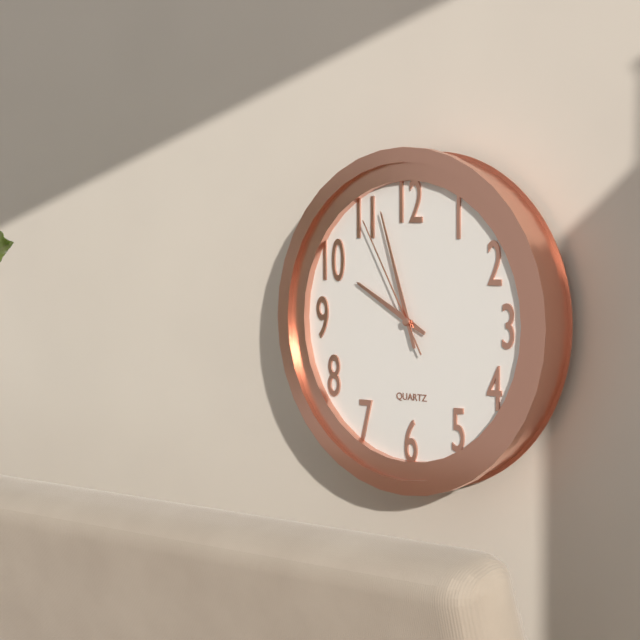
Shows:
9h57m55s
